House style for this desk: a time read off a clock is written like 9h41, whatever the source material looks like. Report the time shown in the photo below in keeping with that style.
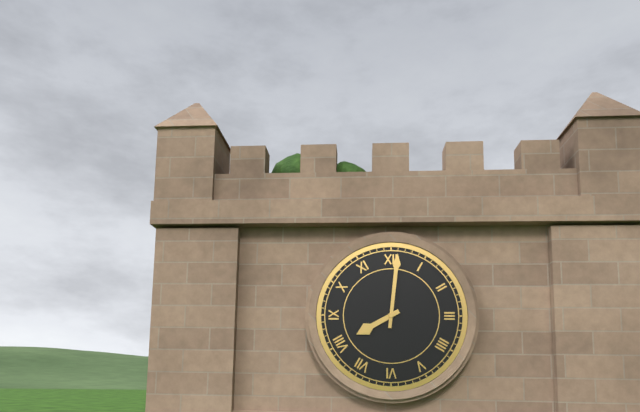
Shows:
8h01
